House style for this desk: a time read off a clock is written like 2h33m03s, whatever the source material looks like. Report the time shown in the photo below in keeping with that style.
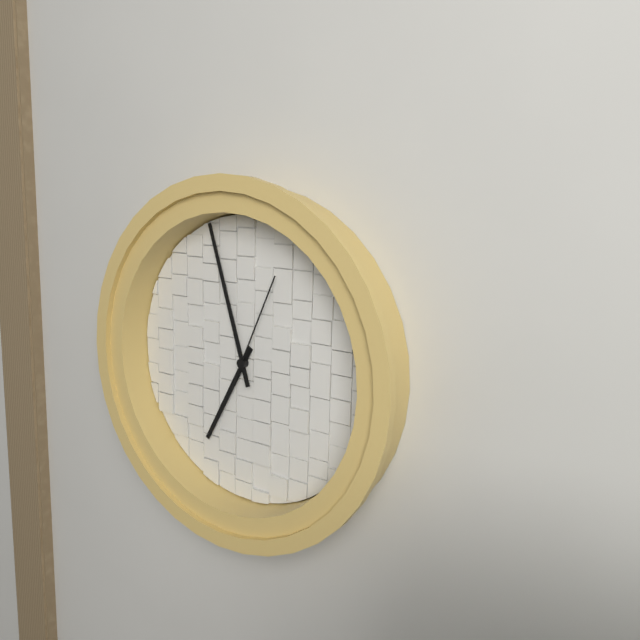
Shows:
6h57m04s
